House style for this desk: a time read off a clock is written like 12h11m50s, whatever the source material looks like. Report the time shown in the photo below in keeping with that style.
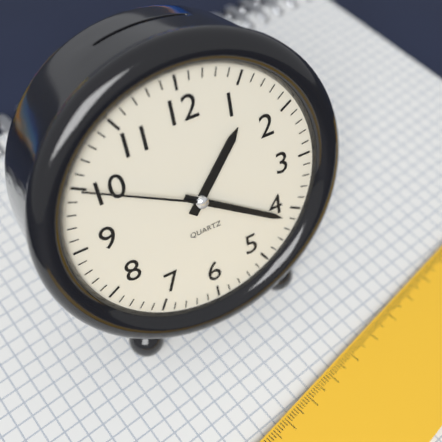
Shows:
1h21m50s
